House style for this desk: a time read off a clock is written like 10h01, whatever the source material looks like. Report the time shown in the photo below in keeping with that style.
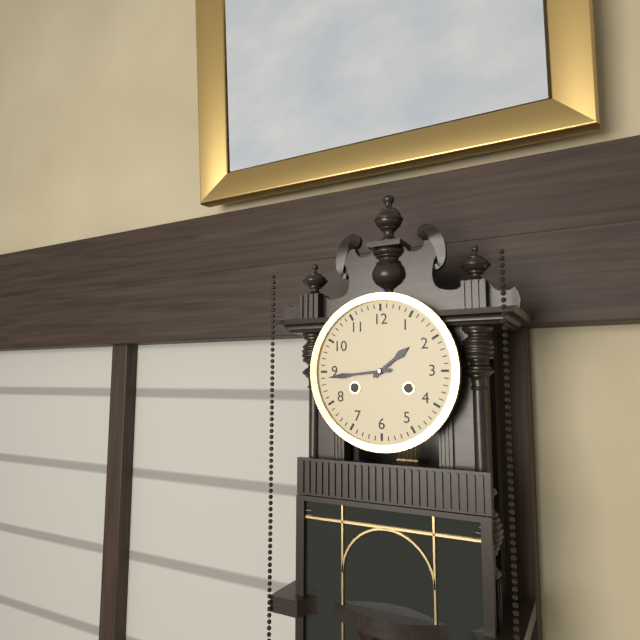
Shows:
1h44
